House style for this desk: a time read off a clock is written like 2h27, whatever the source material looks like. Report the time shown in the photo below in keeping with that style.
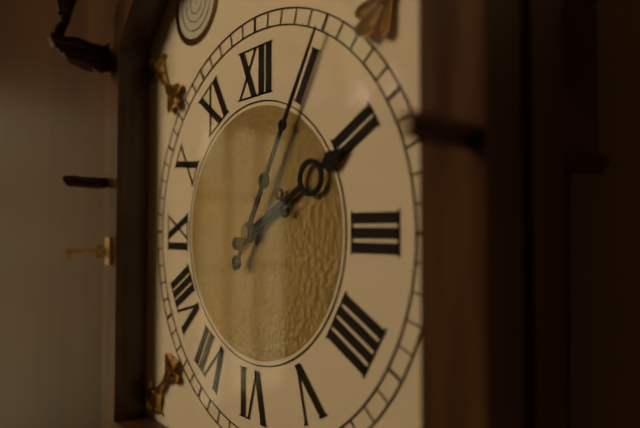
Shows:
2h05
